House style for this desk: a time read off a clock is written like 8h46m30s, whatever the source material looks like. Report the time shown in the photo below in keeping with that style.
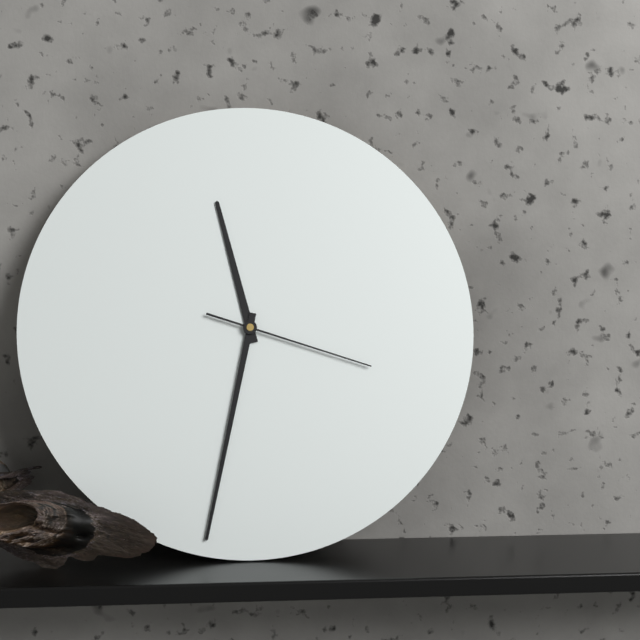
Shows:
11h32m18s
